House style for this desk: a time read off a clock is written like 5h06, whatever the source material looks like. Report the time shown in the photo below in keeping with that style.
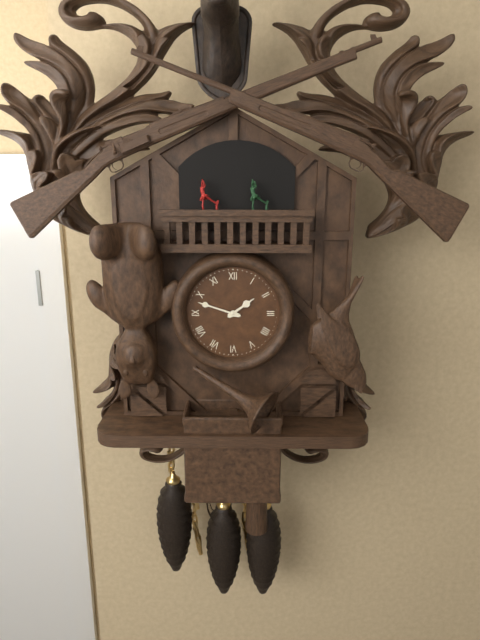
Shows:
1h48
